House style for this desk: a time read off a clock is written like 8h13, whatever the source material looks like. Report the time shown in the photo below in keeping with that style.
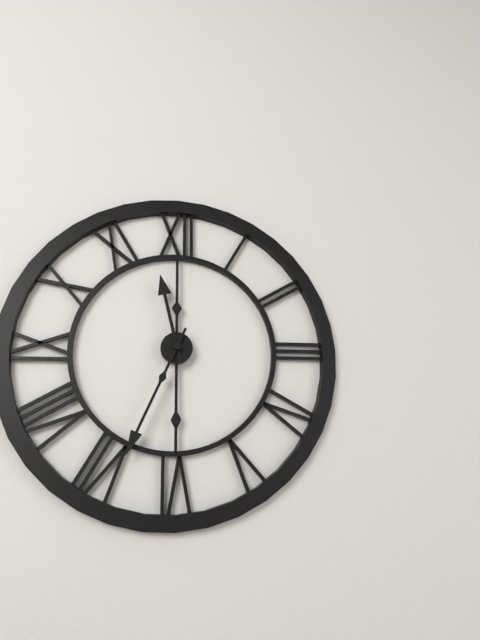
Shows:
11h34
